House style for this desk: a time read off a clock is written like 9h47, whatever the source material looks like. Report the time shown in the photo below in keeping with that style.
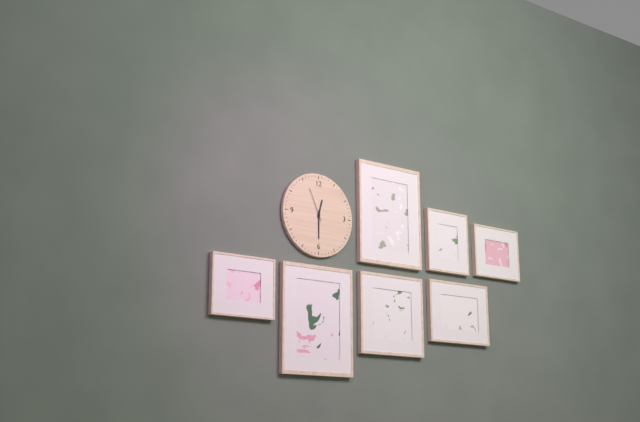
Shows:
12h30
